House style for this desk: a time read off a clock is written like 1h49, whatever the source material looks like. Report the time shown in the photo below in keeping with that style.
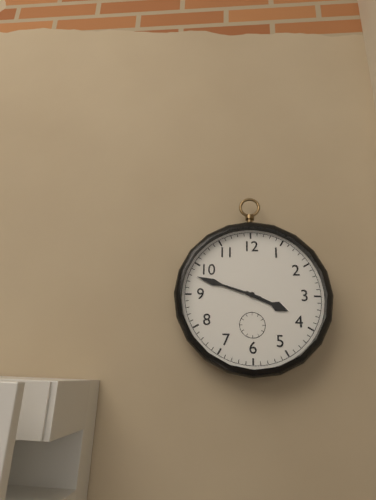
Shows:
3h48
